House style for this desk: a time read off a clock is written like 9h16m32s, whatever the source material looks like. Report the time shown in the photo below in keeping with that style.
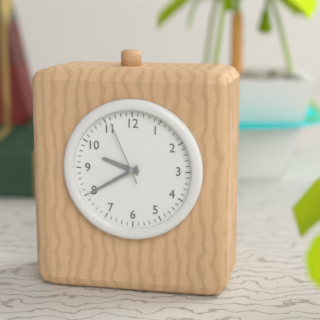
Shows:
9h40m56s
